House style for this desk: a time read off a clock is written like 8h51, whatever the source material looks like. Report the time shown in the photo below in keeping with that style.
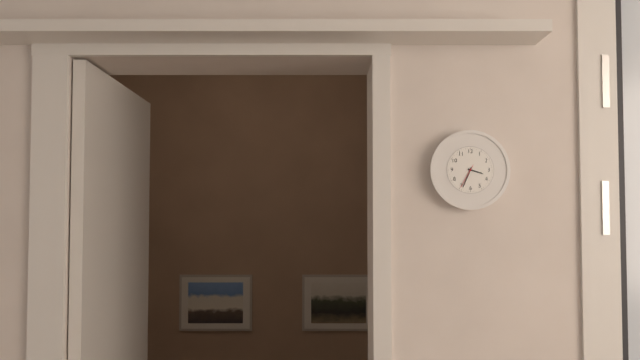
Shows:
3h34
